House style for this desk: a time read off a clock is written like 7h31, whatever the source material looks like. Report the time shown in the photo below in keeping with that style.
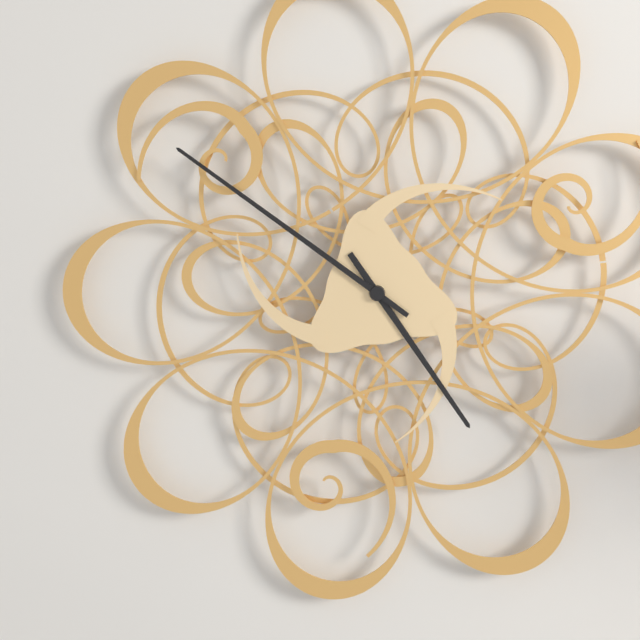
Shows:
4h51
